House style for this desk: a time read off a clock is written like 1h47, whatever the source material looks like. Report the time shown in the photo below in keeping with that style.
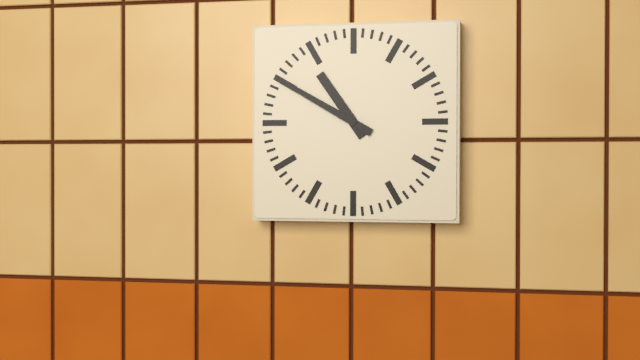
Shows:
10h50
